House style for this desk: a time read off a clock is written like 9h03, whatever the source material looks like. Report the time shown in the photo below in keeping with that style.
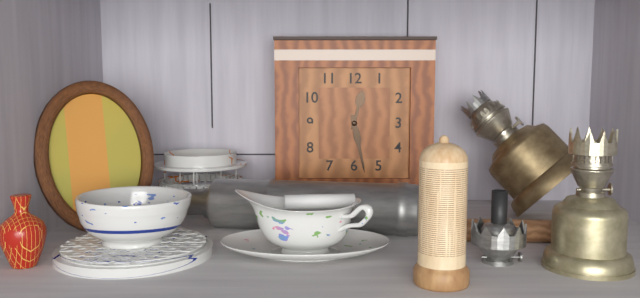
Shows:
12h28
